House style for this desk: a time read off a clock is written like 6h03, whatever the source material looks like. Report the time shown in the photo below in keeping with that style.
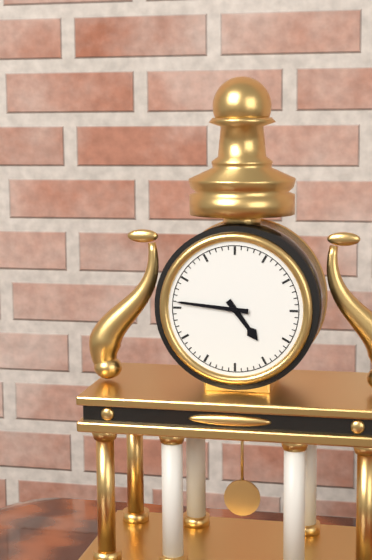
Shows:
4h46
